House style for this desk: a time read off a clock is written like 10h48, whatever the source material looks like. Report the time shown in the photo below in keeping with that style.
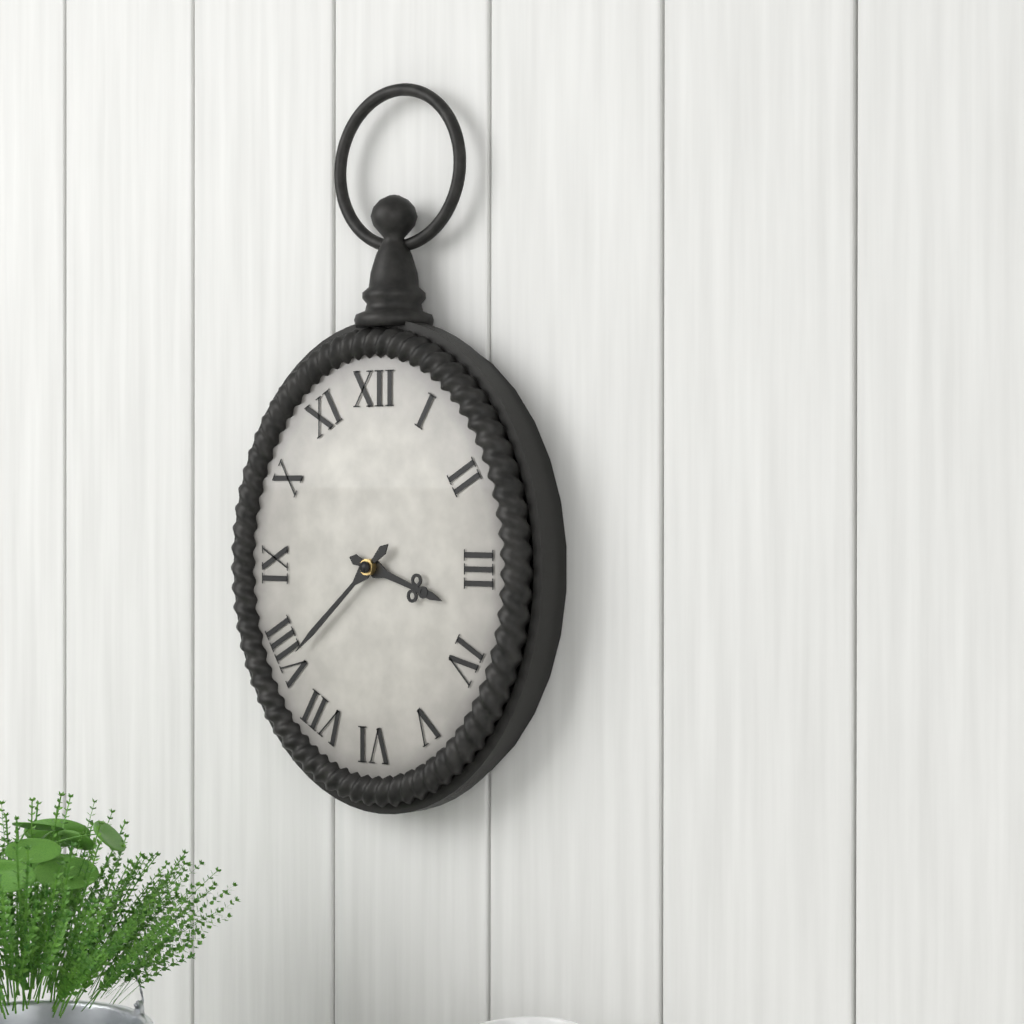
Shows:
3h38
